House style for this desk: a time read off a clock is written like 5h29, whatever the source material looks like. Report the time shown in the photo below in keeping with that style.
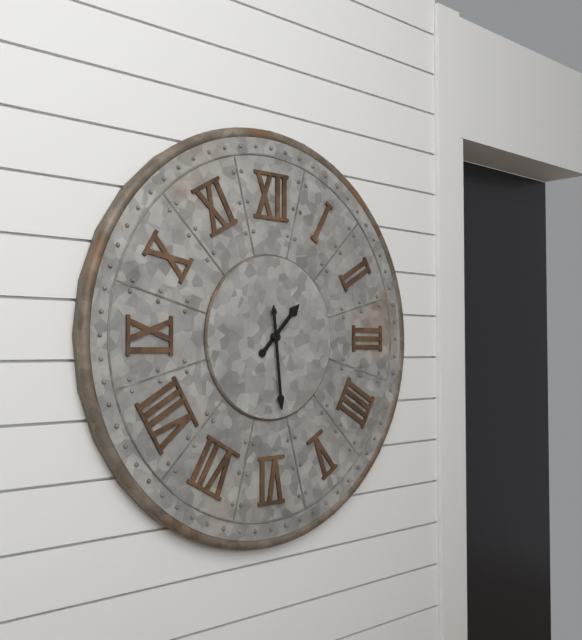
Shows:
1h29
